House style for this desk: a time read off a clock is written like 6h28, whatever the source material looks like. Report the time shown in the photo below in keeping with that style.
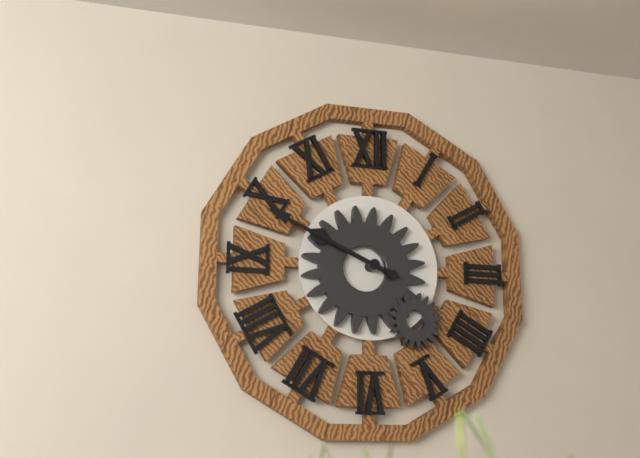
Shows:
9h49
